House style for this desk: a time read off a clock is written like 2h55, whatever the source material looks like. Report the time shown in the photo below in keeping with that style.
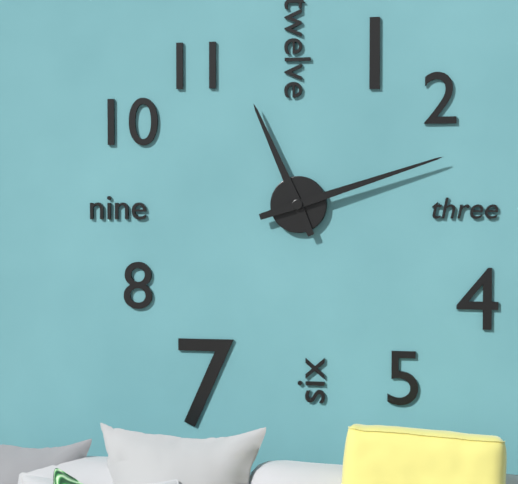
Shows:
11h12
